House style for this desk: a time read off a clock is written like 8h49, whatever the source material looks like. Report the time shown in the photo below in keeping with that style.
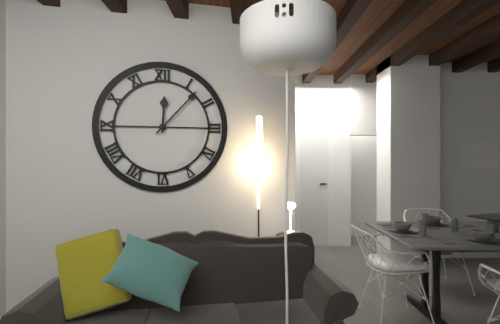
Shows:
12h07
